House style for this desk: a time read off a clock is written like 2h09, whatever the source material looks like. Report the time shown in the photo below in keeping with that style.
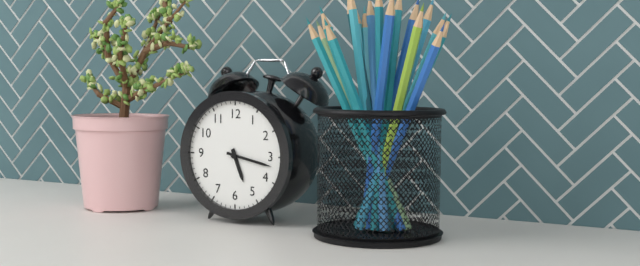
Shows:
5h17
